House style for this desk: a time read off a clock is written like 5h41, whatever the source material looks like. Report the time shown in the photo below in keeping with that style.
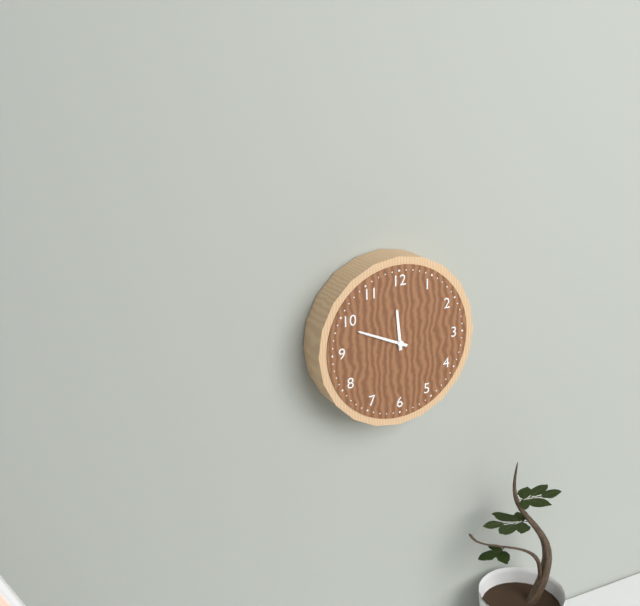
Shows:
11h49
